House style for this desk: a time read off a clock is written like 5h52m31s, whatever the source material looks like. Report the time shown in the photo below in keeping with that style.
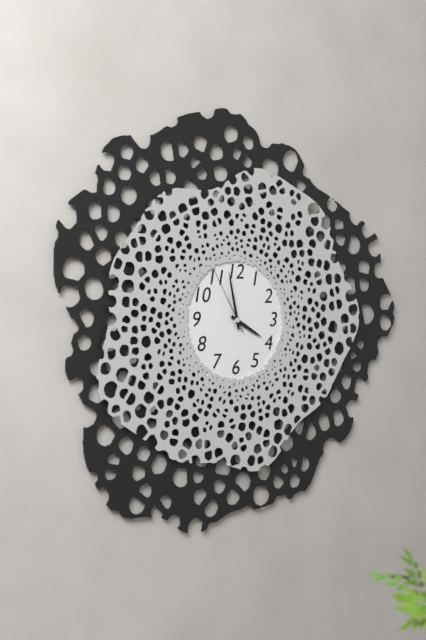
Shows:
3h58m55s
